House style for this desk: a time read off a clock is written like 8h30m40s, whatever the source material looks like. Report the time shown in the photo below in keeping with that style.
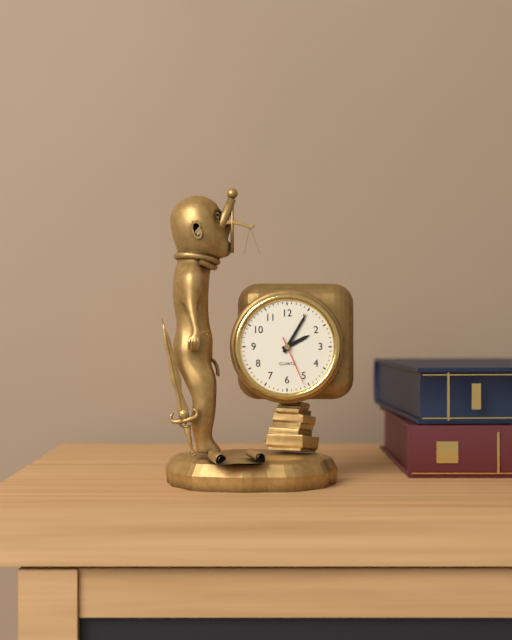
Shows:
2h05m26s
